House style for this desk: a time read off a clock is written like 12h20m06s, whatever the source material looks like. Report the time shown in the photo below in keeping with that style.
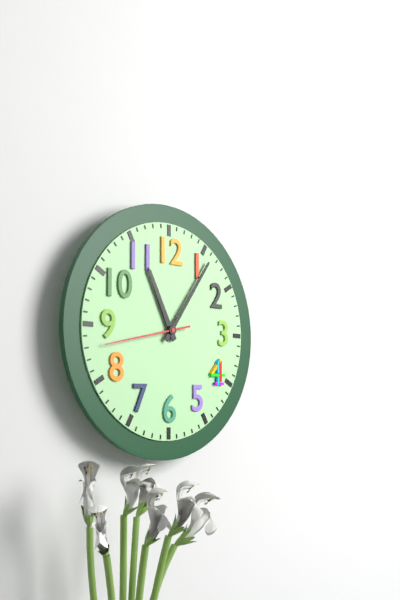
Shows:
11h06m43s
